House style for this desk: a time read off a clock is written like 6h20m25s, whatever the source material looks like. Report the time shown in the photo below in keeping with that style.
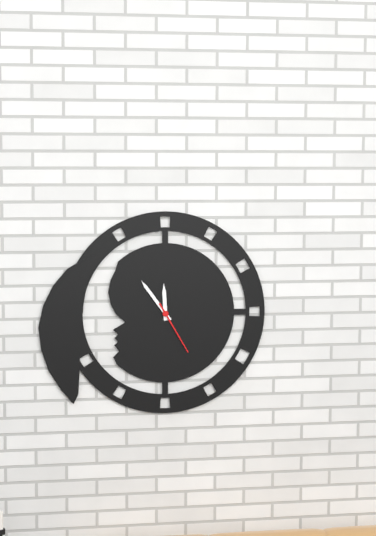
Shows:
11h54m25s
